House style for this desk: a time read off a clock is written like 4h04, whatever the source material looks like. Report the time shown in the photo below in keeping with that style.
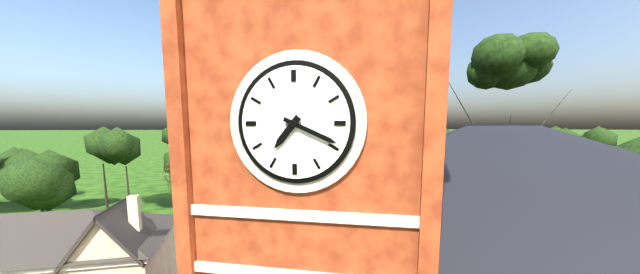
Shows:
7h19
